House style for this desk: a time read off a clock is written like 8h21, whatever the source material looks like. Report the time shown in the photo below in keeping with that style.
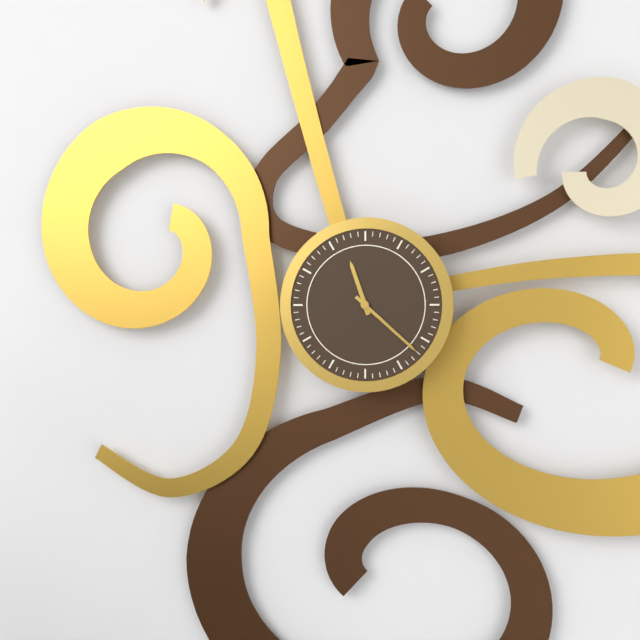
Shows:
11h22
